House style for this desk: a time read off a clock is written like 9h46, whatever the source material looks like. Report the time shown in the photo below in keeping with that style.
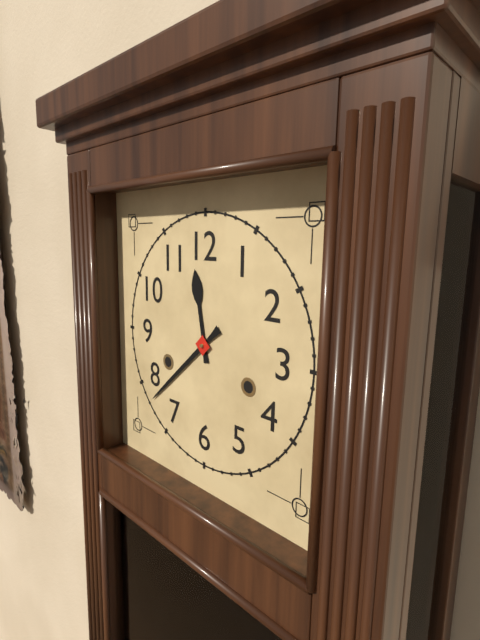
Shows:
11h38
